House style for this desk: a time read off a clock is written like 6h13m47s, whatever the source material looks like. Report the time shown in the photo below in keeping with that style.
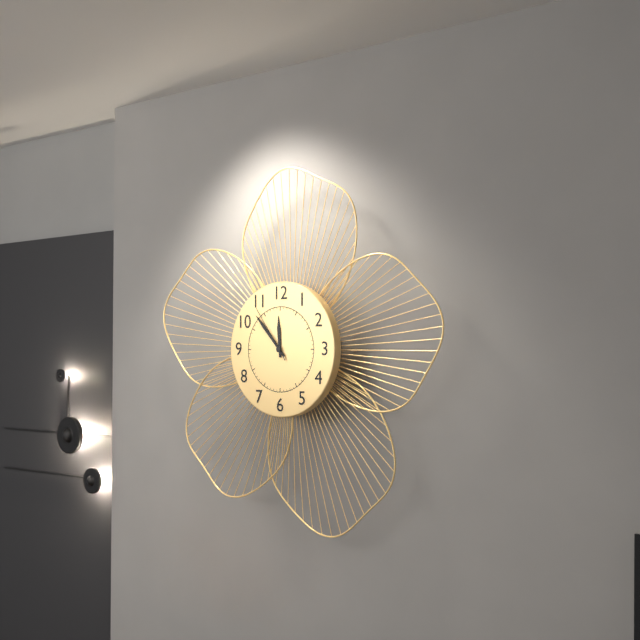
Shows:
11h53m54s
